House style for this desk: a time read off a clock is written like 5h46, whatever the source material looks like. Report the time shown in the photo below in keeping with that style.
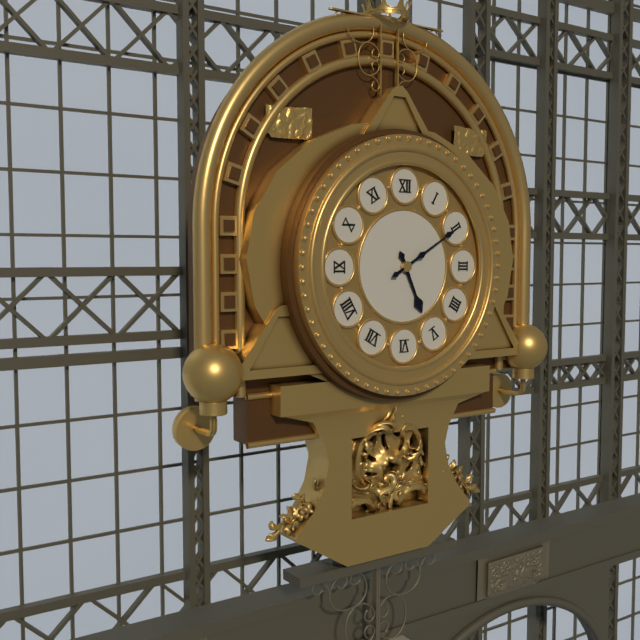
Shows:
5h10
